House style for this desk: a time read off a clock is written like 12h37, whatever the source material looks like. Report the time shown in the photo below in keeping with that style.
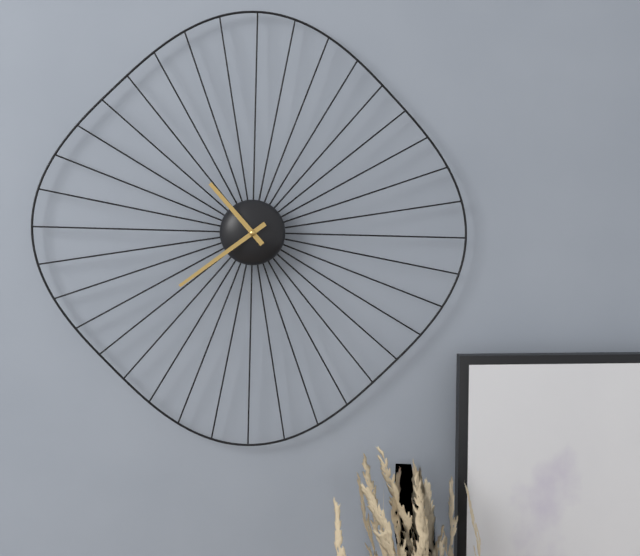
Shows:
10h39
